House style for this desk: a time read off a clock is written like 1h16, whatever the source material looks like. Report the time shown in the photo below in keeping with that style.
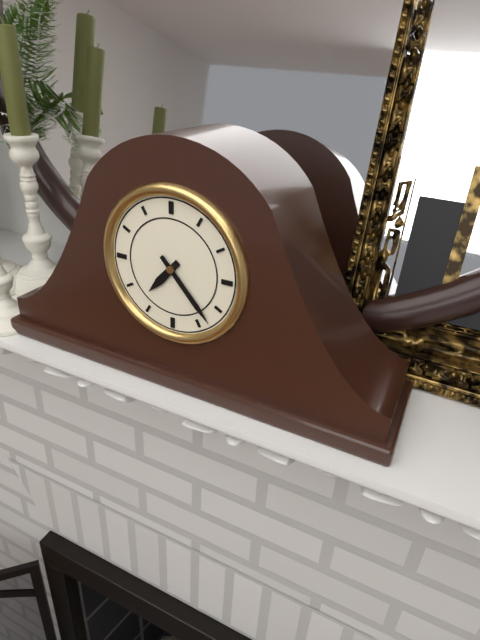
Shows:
7h23
